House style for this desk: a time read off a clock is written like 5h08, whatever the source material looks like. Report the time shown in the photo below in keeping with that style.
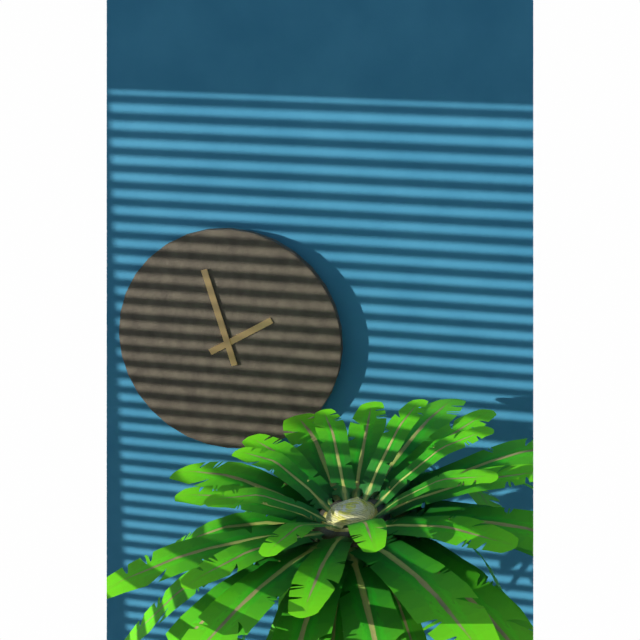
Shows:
1h57
